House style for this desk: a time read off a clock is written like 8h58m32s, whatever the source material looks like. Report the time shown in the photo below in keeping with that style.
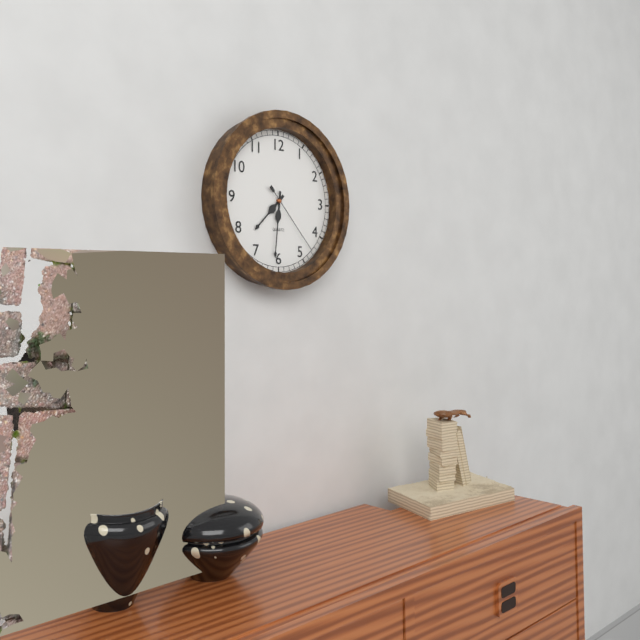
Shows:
7h31m23s
